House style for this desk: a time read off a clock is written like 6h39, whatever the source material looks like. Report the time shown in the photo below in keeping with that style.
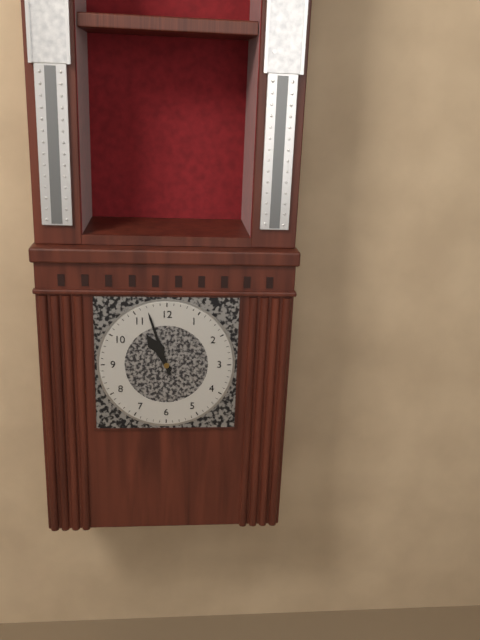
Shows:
10h57
